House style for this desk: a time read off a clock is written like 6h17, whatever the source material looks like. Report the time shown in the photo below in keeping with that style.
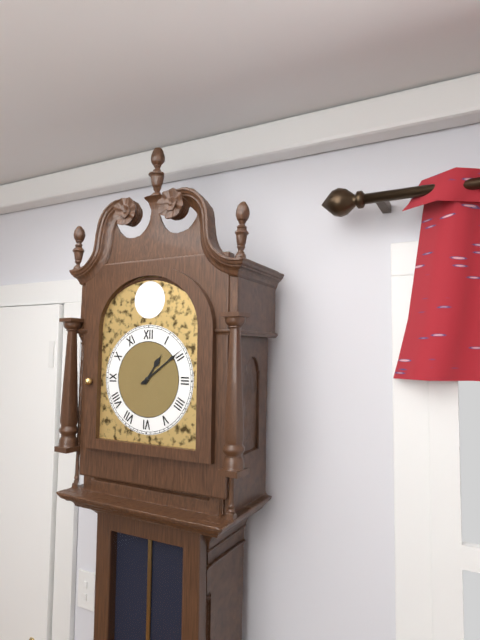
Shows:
1h09
